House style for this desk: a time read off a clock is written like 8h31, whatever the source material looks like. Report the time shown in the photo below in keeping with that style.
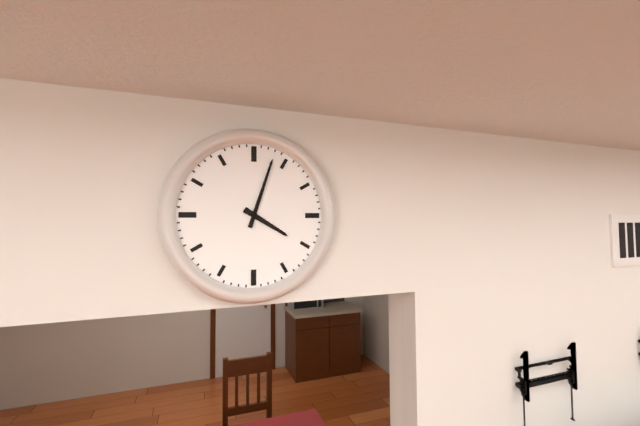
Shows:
4h03
